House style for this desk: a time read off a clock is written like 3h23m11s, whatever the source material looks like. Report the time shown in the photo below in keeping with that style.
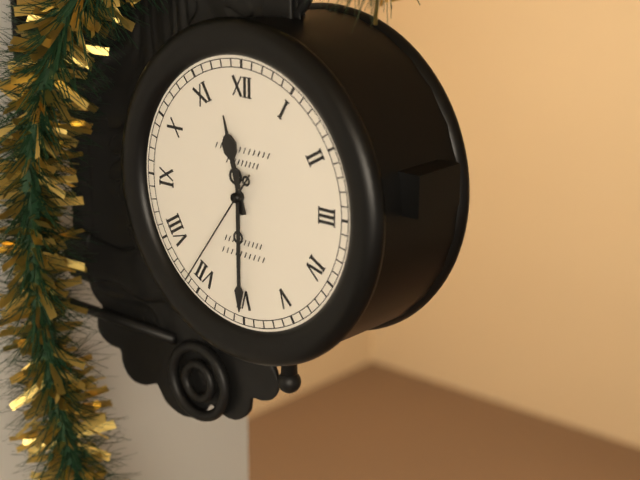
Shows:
11h30m36s
